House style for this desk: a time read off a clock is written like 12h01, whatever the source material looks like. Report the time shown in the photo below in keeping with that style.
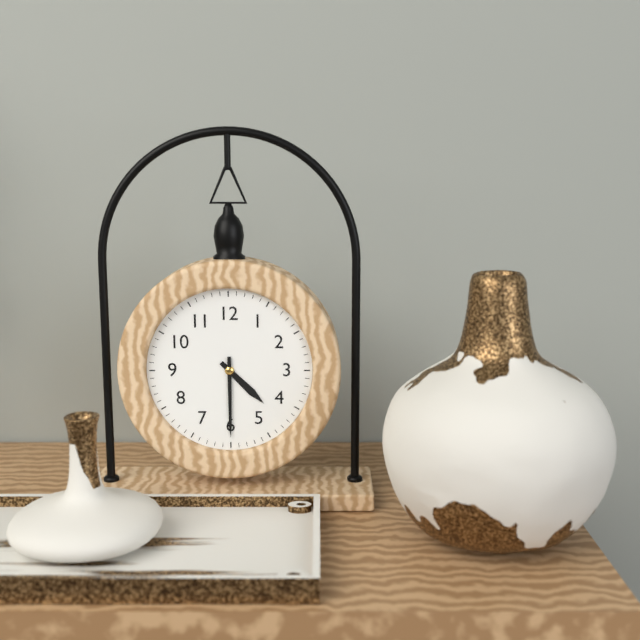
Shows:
4h30
